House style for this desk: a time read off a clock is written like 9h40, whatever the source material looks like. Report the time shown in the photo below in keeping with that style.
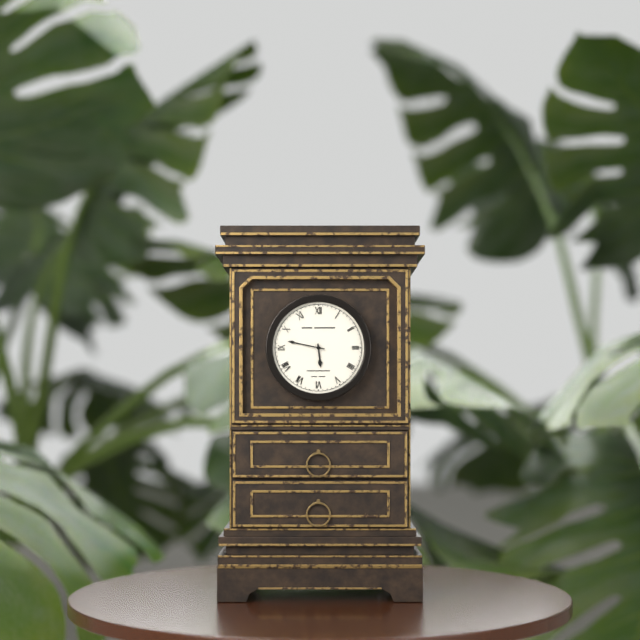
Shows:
5h47
